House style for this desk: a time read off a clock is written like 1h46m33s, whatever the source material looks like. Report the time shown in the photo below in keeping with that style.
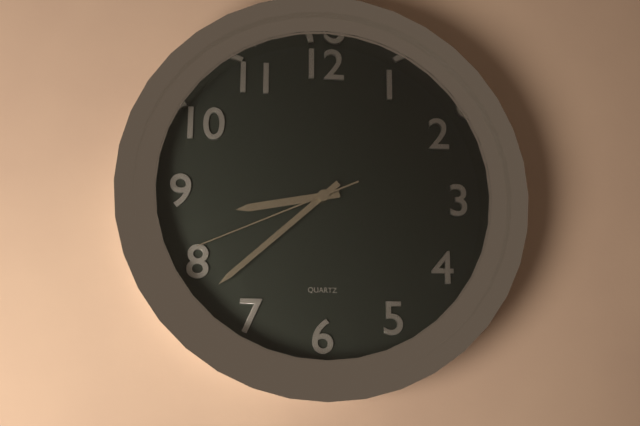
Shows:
8h38m41s
